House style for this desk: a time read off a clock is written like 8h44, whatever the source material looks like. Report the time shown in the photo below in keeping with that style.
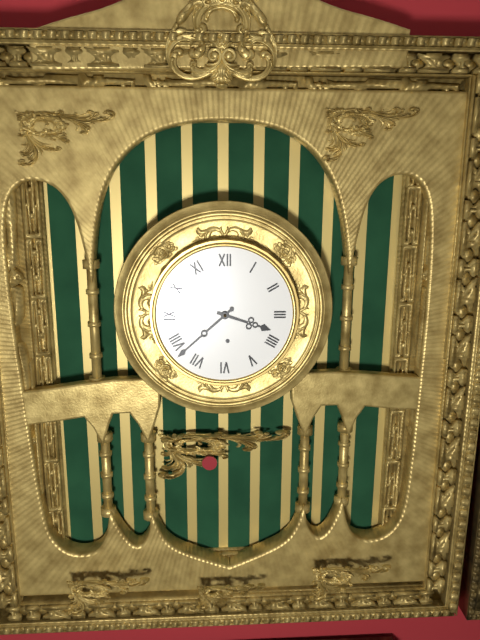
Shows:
3h38
